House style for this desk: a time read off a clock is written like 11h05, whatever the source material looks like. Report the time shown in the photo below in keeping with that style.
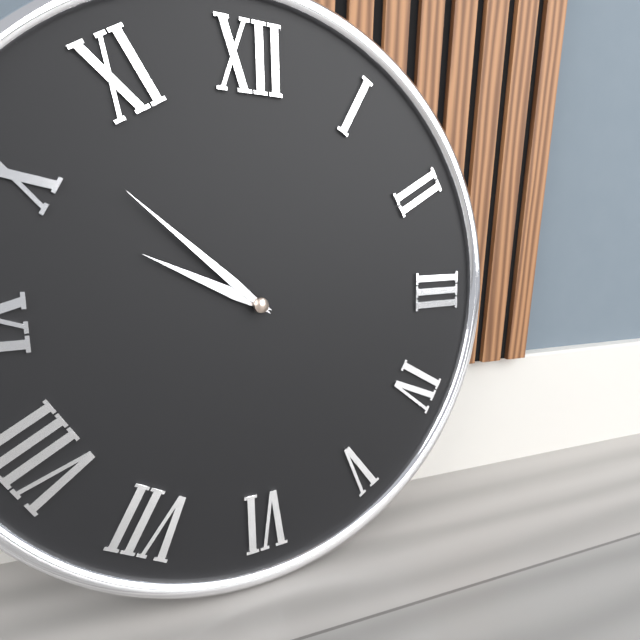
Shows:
9h52
